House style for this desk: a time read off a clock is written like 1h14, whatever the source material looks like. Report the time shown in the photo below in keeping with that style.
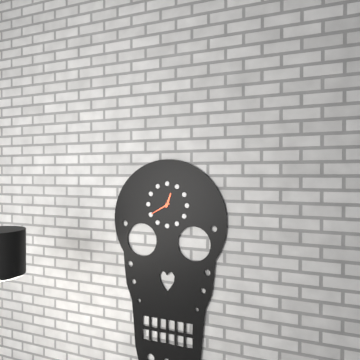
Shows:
12h40
